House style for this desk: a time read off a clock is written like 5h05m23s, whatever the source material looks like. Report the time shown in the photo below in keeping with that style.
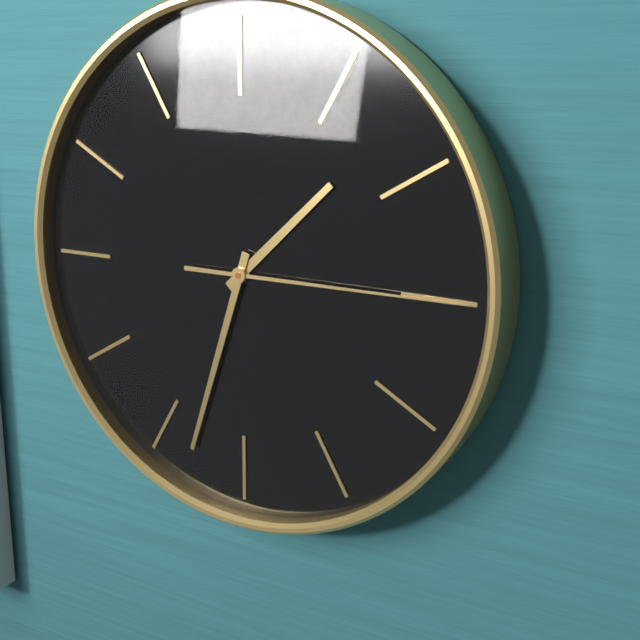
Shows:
1h33m15s
